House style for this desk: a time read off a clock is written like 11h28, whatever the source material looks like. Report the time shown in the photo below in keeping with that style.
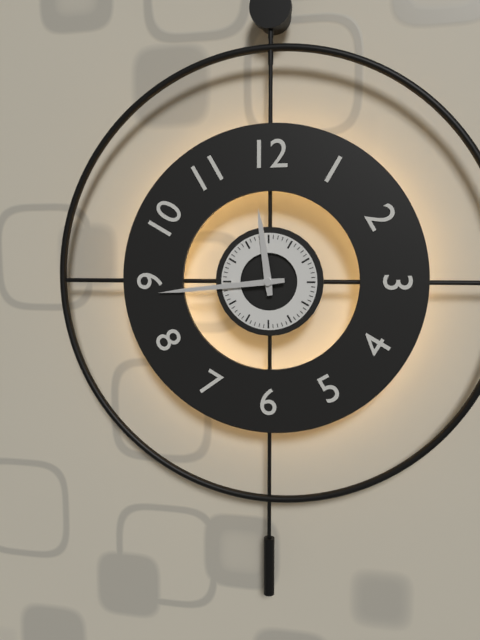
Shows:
11h44
